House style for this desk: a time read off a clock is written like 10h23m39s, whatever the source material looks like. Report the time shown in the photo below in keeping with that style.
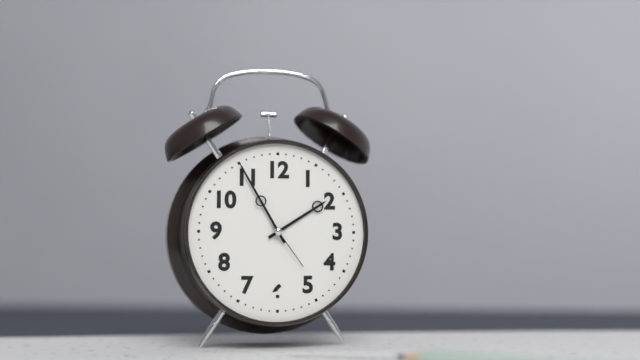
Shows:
1h55m24s
